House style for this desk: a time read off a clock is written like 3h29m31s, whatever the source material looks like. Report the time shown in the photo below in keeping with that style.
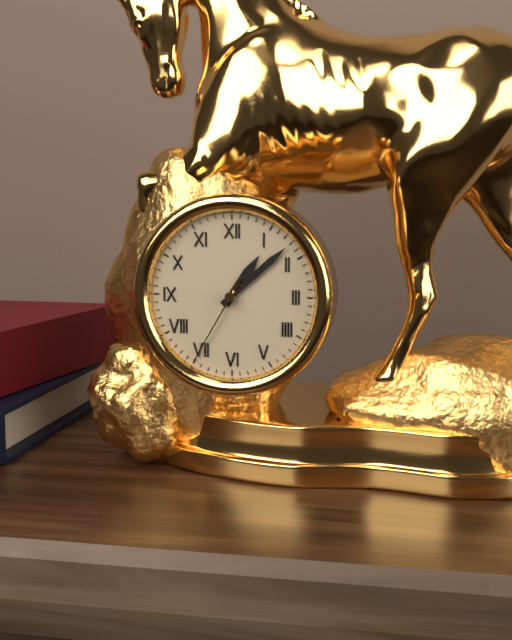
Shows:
1h08m35s
